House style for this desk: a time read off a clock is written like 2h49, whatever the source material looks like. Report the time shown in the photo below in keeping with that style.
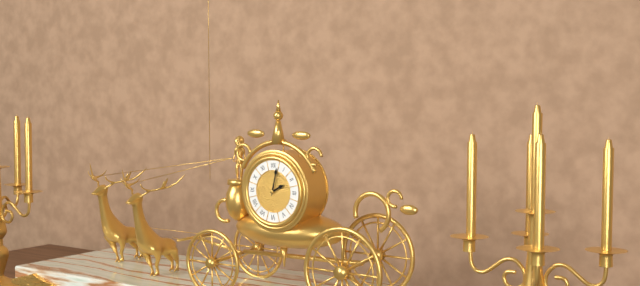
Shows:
2h02
